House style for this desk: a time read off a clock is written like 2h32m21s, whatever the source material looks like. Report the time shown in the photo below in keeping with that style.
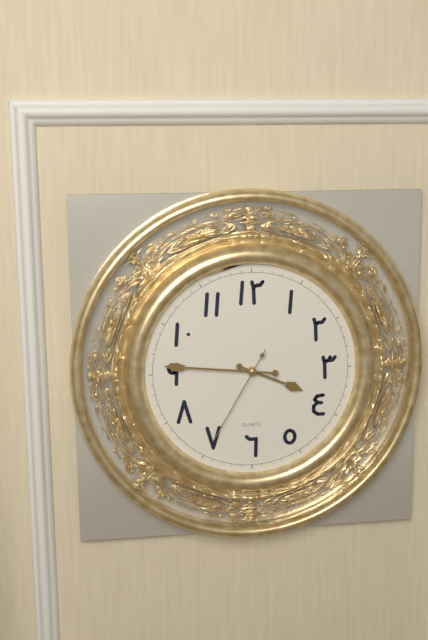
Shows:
3h46m35s
